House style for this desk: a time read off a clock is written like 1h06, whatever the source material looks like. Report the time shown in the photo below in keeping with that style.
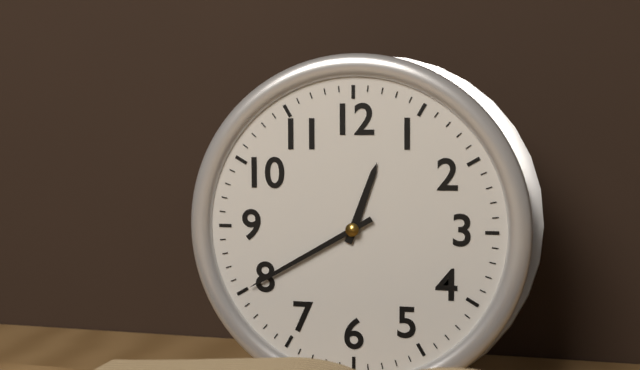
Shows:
12h40
